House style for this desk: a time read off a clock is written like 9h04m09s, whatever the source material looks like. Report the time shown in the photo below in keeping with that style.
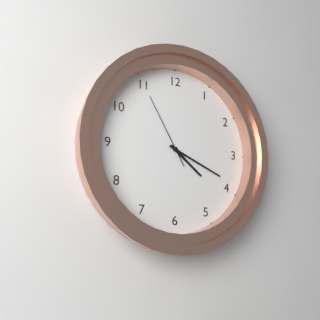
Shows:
4h19m55s
